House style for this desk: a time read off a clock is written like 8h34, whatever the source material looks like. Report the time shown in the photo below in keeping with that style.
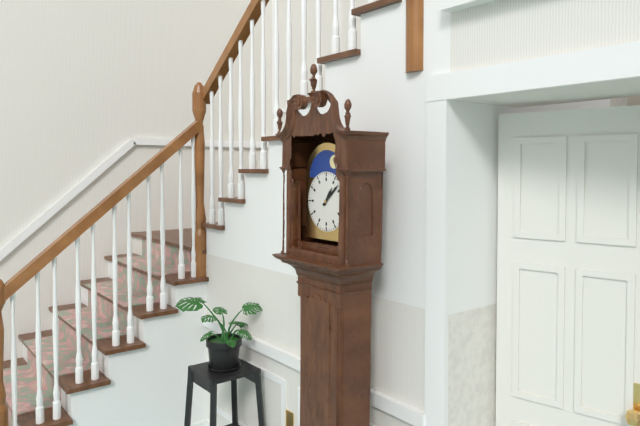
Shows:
1h08
